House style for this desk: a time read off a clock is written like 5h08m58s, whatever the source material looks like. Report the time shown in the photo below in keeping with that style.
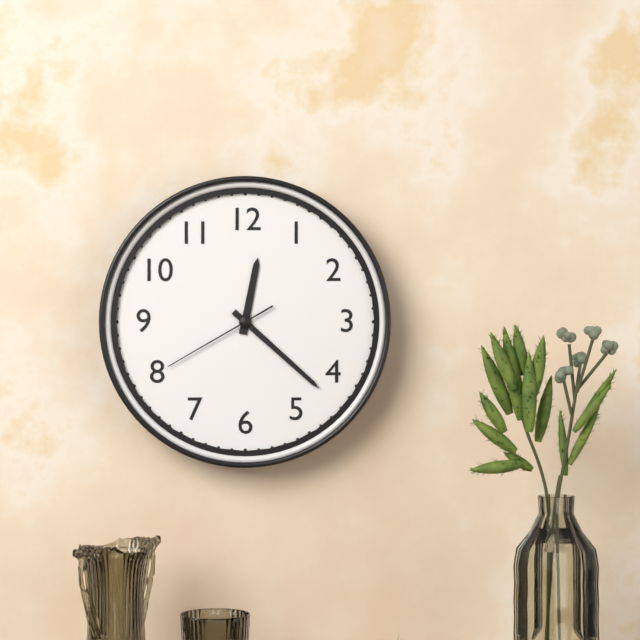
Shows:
12h22m40s
